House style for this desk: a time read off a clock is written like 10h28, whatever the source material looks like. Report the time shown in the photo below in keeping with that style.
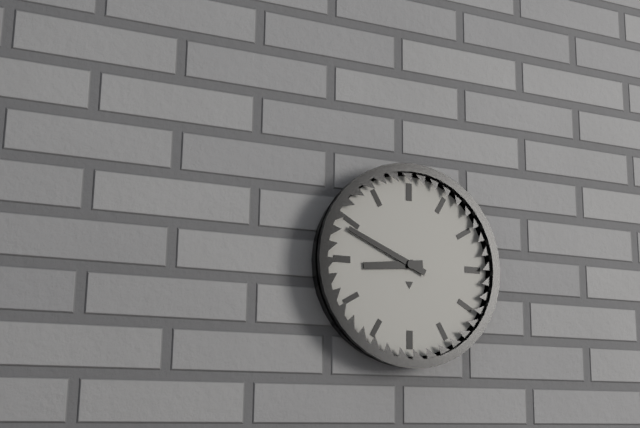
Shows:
8h49
